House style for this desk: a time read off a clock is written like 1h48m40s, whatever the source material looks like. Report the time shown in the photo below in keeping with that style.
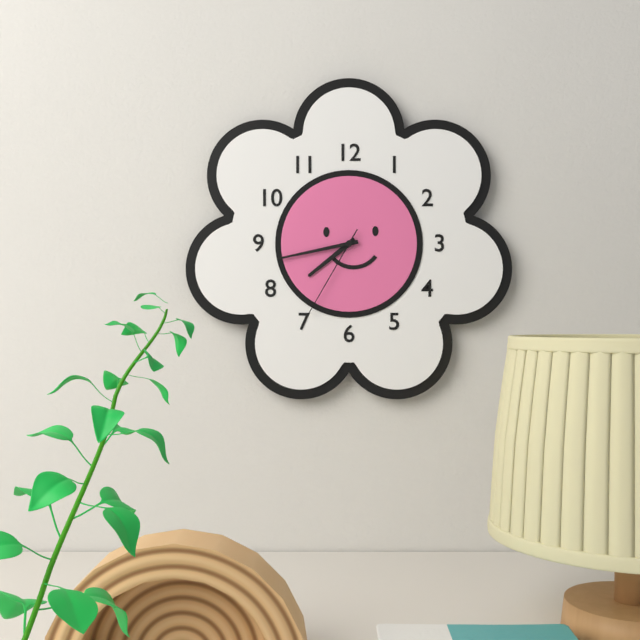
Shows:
7h43m35s
